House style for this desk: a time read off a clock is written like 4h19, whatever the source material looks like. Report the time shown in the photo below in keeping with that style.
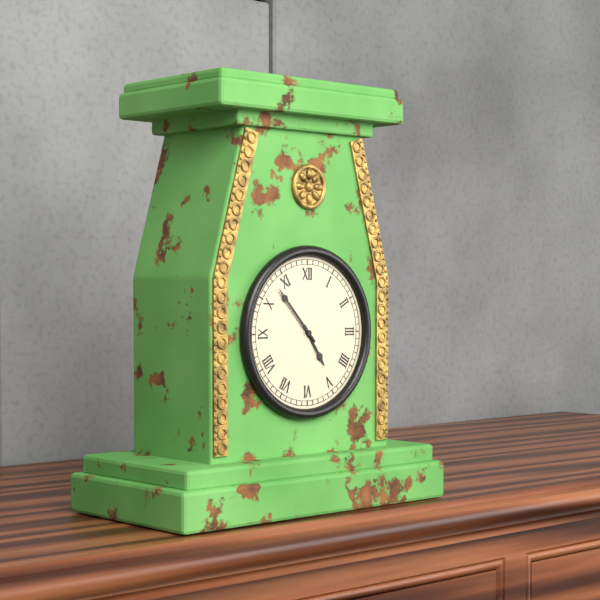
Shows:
4h53
